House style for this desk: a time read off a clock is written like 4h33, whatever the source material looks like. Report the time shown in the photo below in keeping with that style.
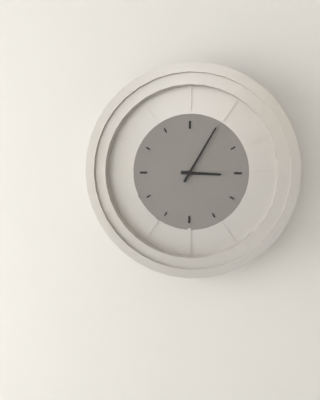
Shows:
3h05
